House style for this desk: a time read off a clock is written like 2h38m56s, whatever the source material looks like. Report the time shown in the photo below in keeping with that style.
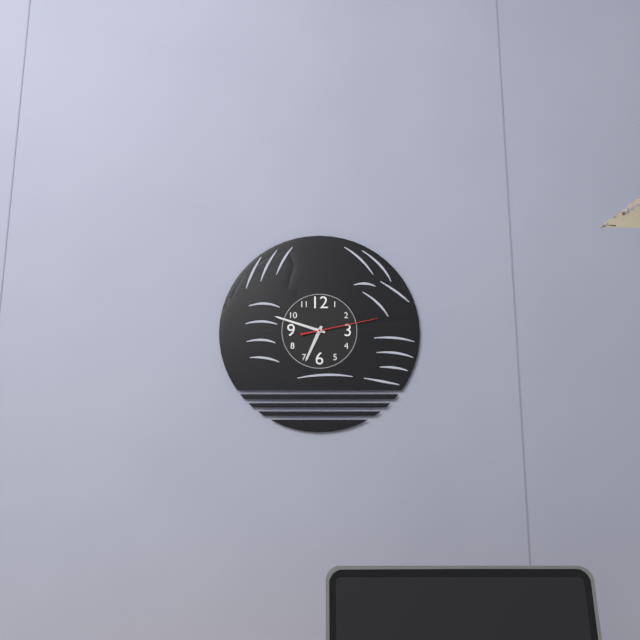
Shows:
6h48m13s
